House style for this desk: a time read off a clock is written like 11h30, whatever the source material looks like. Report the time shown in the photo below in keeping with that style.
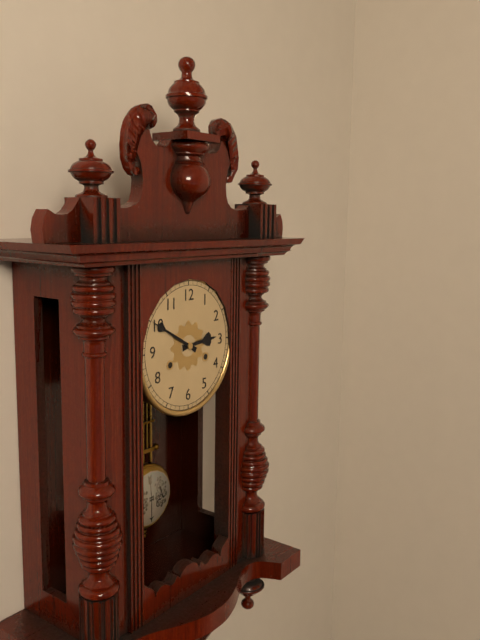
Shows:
2h50
